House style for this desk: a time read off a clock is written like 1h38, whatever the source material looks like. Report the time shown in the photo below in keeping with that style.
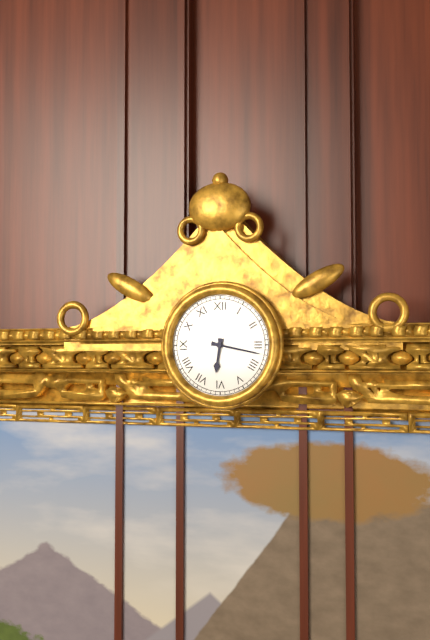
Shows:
6h17
